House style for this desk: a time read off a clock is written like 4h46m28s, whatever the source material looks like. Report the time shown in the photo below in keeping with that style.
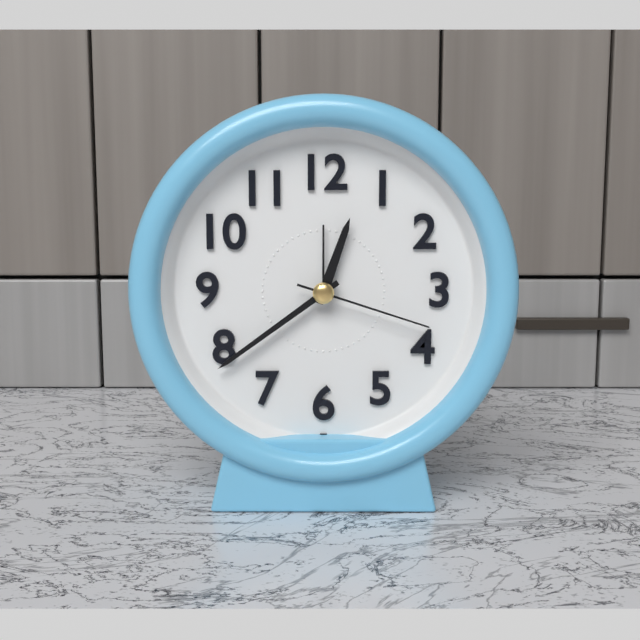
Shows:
12h39m18s
